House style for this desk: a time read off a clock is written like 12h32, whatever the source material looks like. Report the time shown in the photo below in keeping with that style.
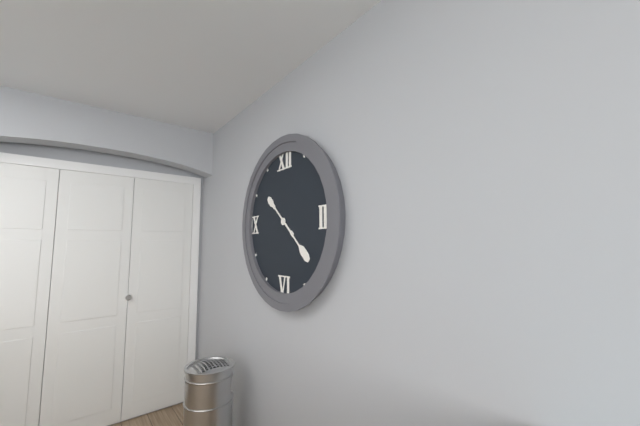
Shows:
10h22
